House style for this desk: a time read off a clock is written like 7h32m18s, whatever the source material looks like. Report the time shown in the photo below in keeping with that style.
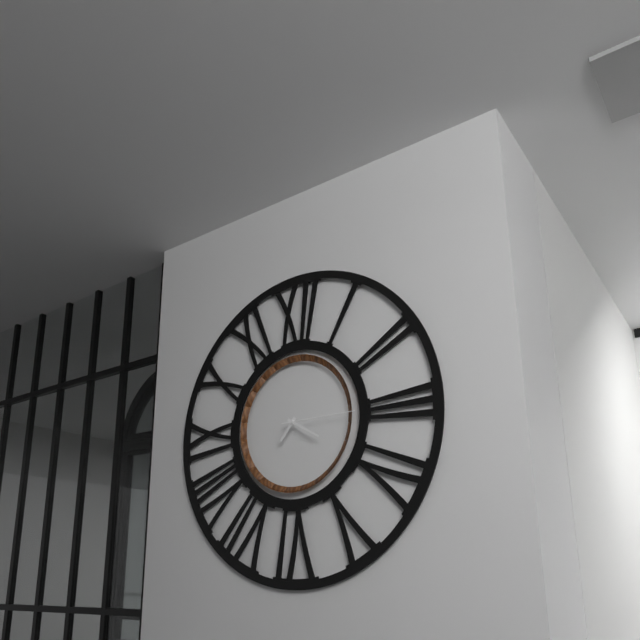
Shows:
7h20m15s
